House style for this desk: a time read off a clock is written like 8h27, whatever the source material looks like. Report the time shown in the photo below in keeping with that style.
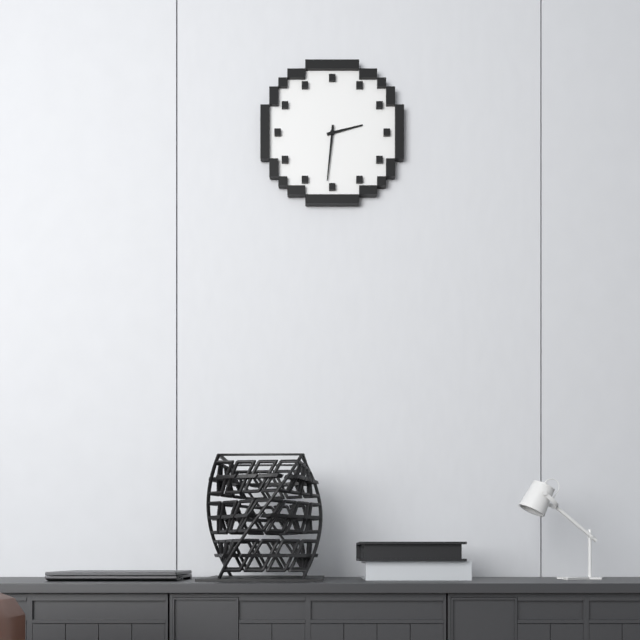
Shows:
2h31
